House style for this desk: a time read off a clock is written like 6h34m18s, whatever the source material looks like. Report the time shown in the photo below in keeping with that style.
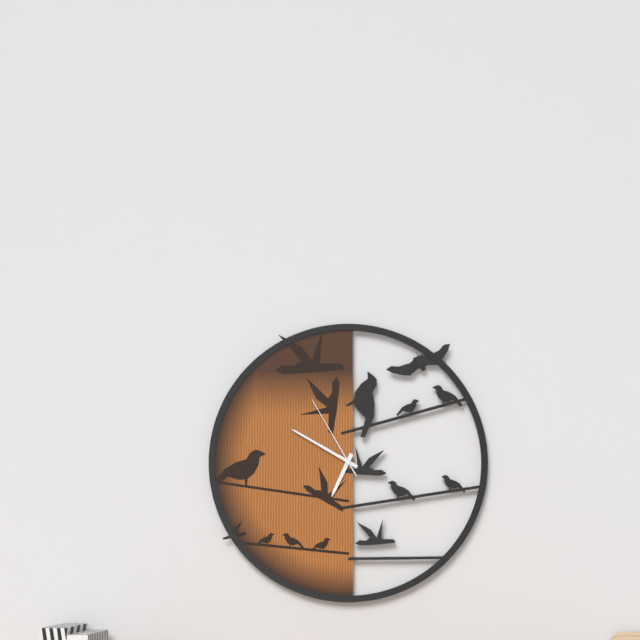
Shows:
6h50m55s
